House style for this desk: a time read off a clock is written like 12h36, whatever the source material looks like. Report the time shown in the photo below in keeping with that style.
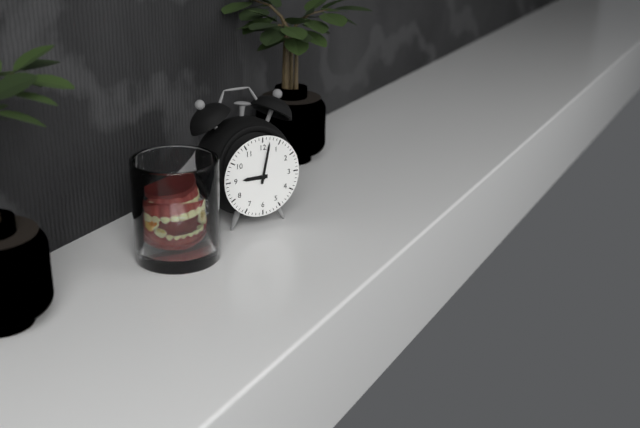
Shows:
9h02
